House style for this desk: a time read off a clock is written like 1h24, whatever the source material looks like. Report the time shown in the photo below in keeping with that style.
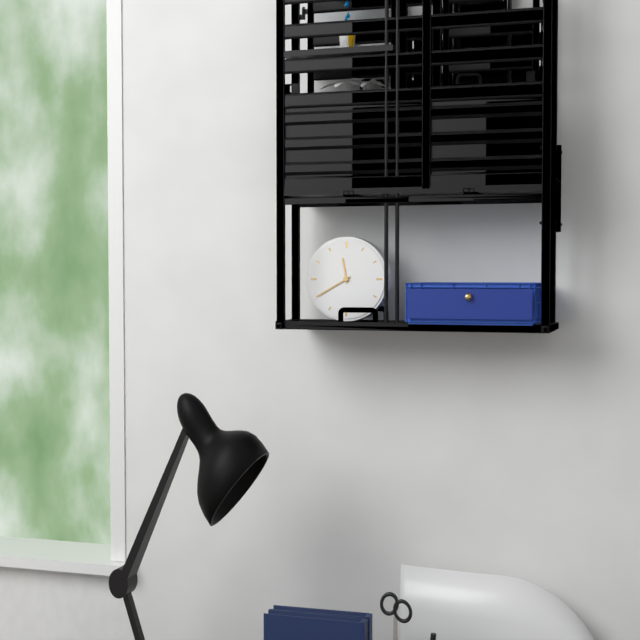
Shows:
11h40
